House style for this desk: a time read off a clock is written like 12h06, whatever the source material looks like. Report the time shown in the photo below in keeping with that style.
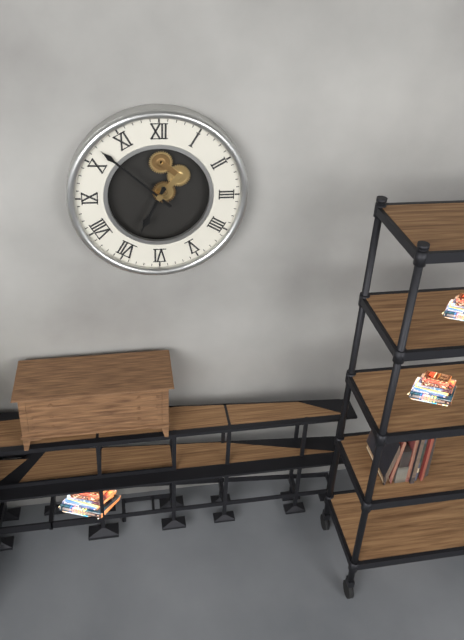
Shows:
6h52
